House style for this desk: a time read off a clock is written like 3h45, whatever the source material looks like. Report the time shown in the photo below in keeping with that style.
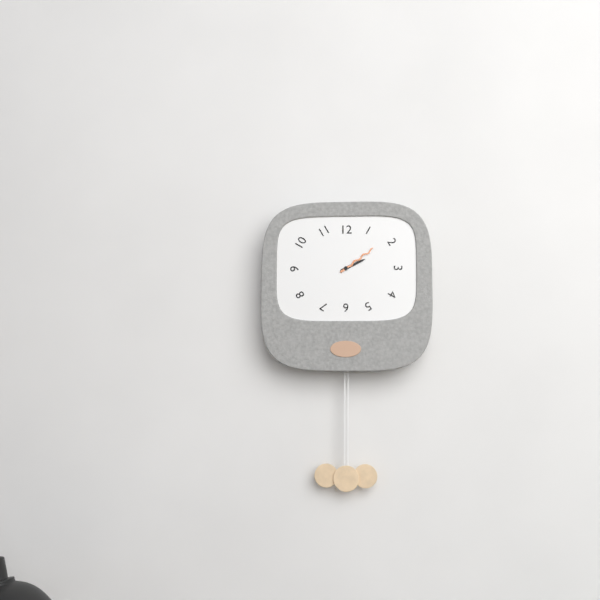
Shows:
2h09
